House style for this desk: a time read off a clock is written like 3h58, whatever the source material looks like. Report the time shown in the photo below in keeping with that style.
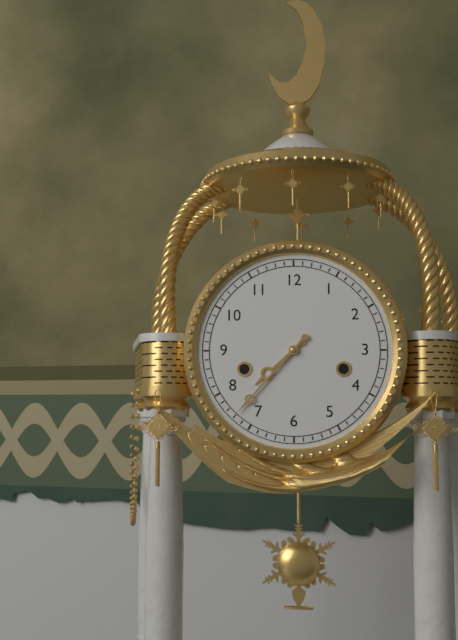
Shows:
7h37
